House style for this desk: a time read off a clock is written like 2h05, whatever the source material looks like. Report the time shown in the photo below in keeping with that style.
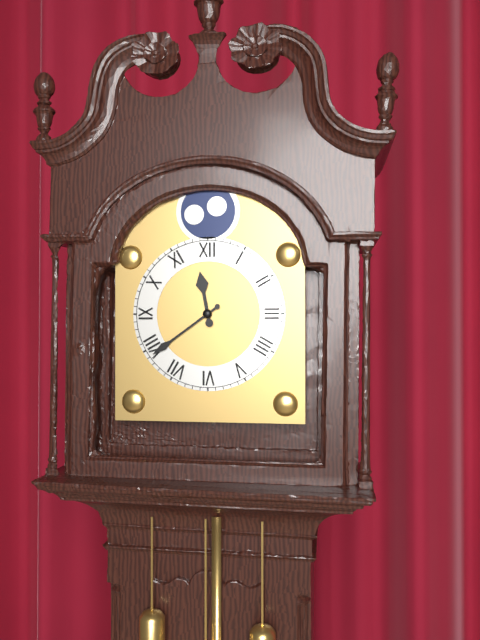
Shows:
11h39
